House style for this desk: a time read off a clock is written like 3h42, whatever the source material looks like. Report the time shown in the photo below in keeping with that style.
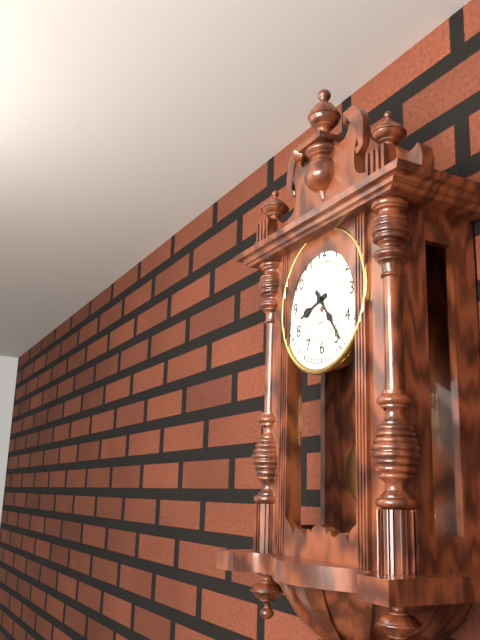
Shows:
8h24
